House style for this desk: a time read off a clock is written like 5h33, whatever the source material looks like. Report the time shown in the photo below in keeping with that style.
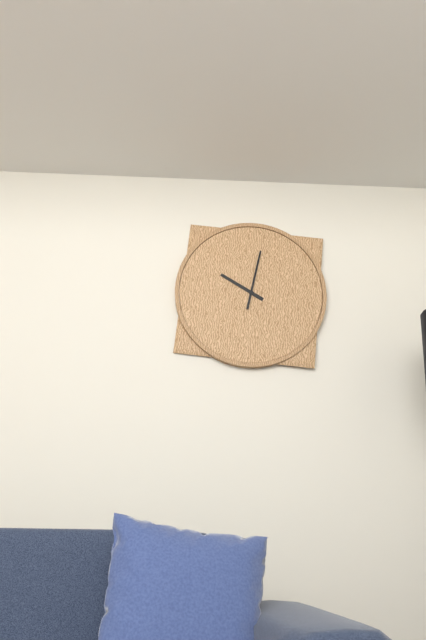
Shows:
10h02
